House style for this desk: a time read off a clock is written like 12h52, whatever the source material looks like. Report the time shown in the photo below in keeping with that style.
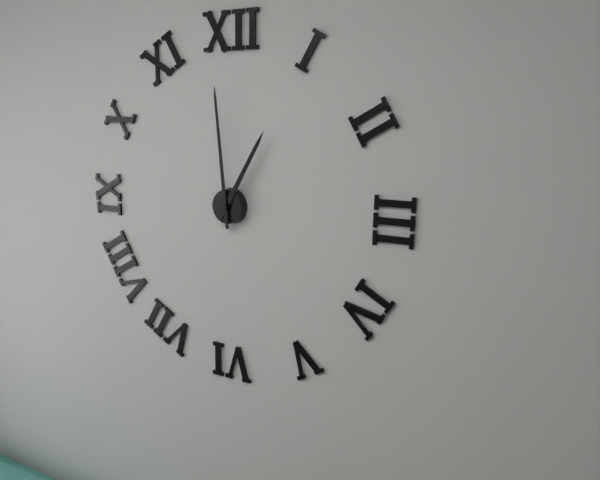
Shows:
12h59
